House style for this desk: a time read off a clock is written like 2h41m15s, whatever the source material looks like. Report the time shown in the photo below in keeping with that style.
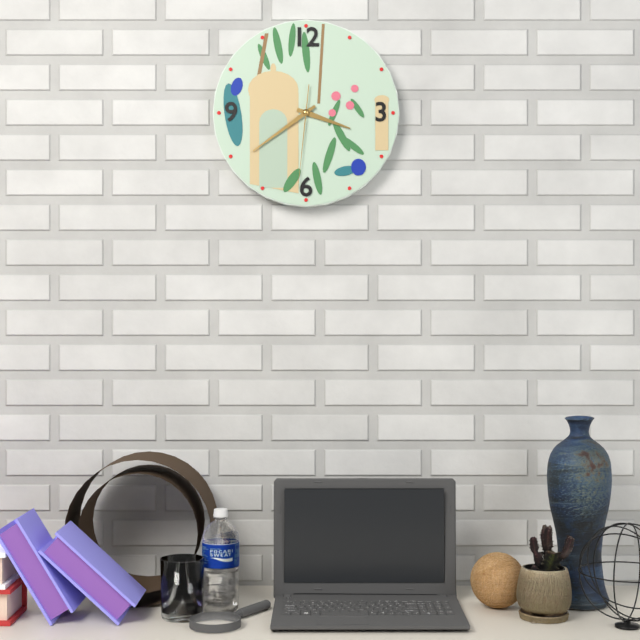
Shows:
3h39m31s
